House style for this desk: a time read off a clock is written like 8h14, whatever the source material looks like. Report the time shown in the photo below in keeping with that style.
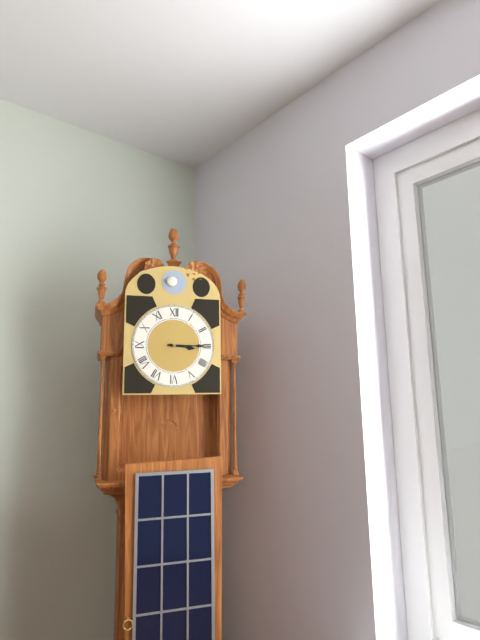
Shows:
3h15
